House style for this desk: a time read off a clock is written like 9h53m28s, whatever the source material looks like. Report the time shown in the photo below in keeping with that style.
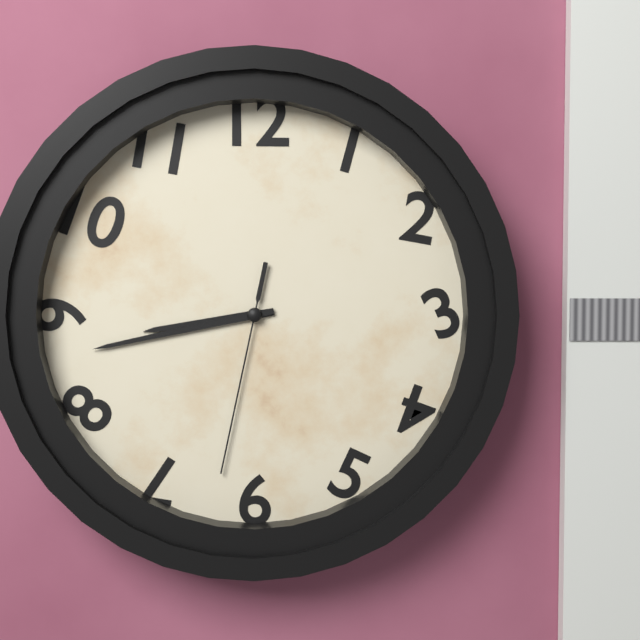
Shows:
8h43m32s
